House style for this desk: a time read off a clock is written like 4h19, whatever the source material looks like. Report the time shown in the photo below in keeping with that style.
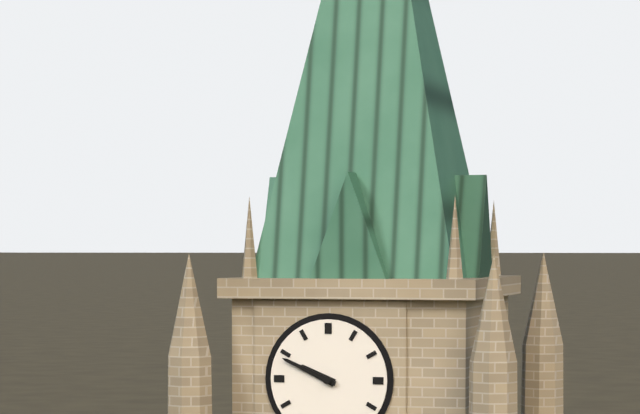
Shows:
9h49
